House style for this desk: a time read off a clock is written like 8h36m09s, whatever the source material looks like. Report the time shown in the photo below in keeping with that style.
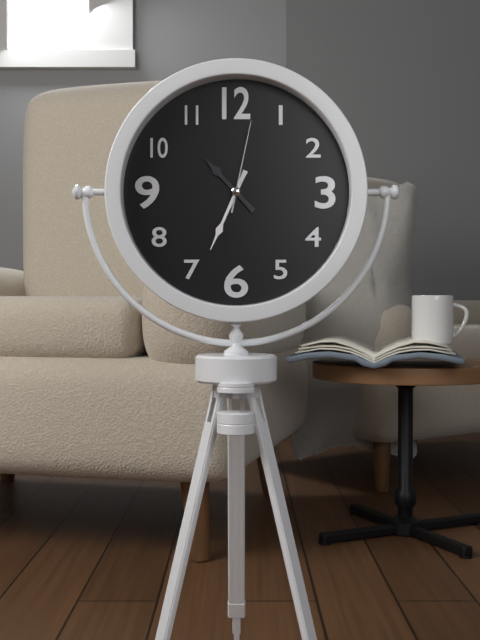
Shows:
10h34m02s
